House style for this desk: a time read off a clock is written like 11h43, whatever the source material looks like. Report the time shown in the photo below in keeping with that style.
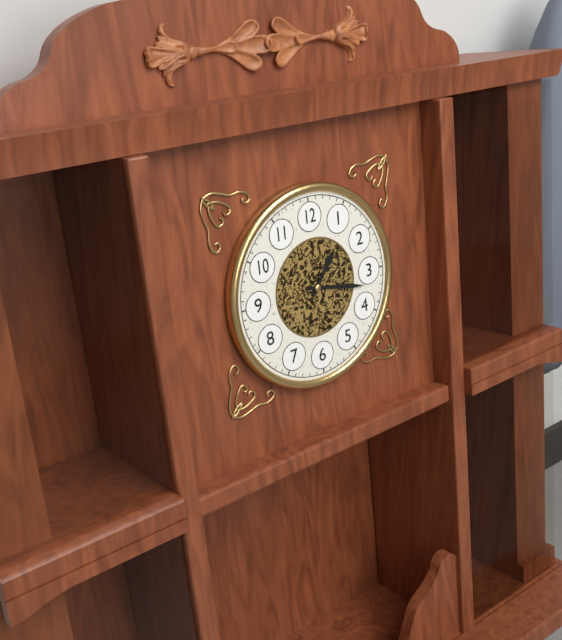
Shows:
1h17
